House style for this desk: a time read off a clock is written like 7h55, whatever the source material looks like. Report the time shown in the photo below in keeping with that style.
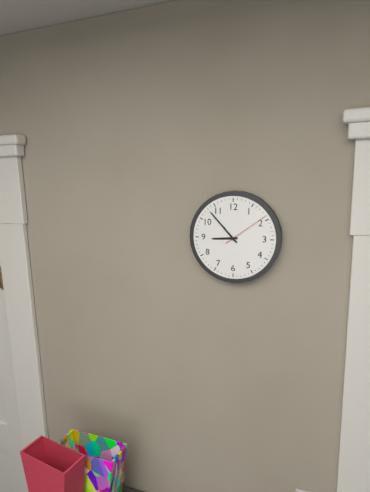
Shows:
8h53
